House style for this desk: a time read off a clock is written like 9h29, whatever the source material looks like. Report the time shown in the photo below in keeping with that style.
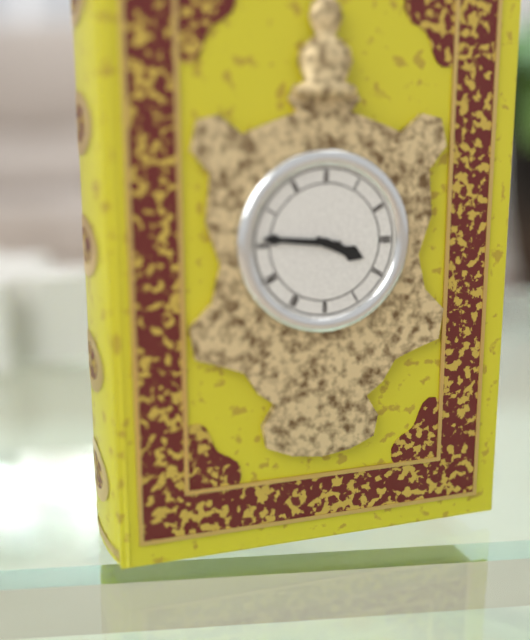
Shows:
3h46
